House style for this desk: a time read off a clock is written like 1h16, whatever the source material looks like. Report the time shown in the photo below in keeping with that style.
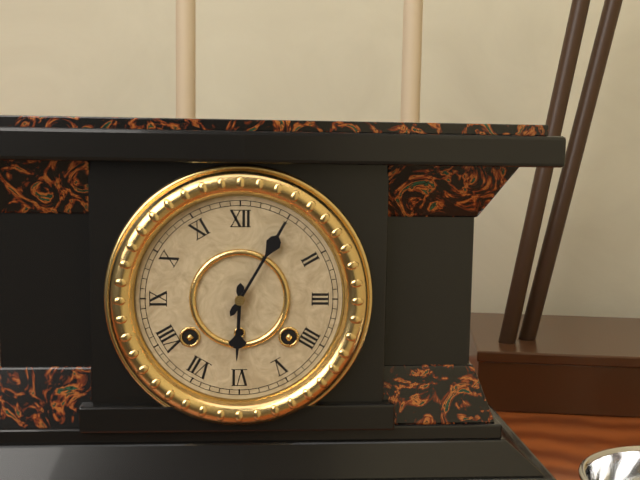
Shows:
6h05
